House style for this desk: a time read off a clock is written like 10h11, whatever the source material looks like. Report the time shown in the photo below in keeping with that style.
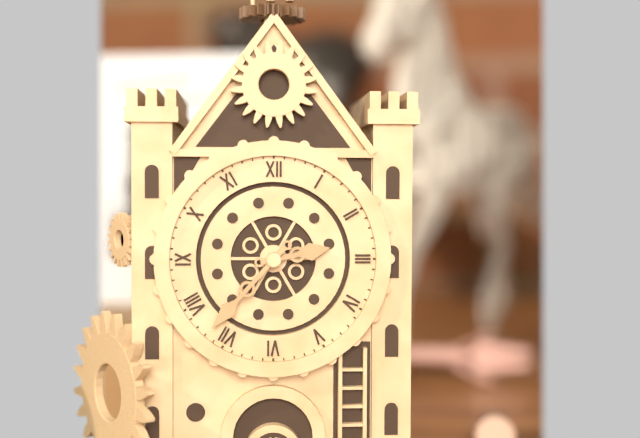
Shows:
2h37
